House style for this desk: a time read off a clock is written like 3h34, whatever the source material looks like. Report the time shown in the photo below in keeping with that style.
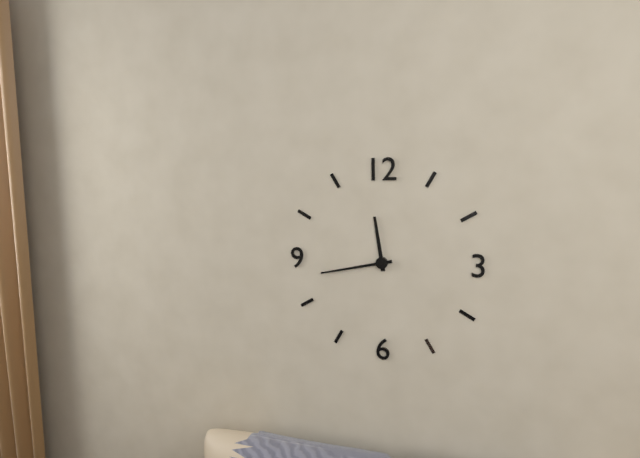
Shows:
11h43
